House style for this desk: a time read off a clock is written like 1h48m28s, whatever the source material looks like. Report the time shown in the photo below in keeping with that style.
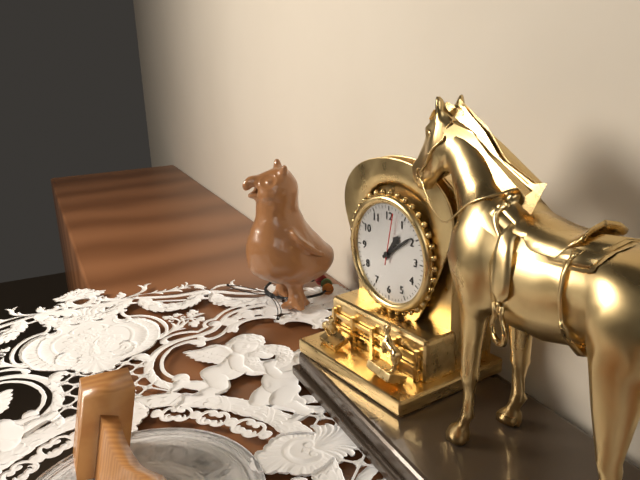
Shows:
1h09m02s
